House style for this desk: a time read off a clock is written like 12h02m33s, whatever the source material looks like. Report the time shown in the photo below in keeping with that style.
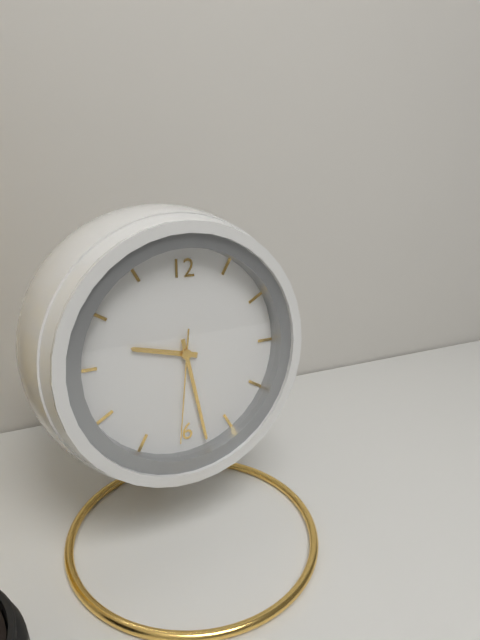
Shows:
9h28m31s
